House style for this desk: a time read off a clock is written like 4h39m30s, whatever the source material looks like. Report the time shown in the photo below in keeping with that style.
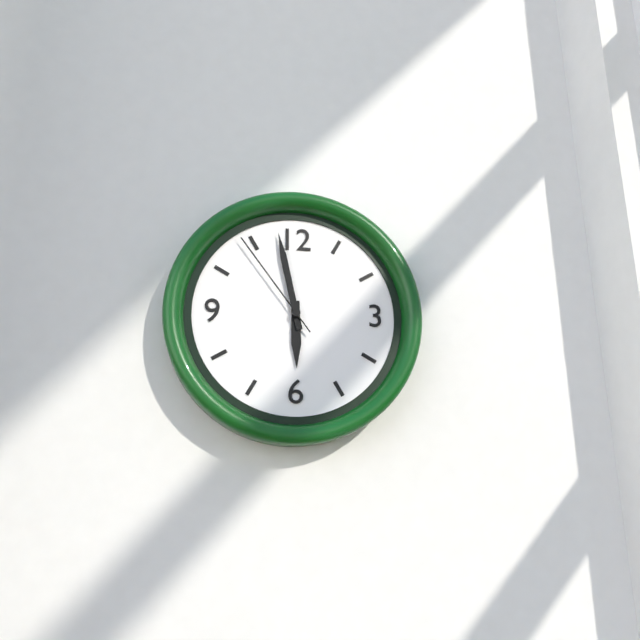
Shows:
5h58m54s
